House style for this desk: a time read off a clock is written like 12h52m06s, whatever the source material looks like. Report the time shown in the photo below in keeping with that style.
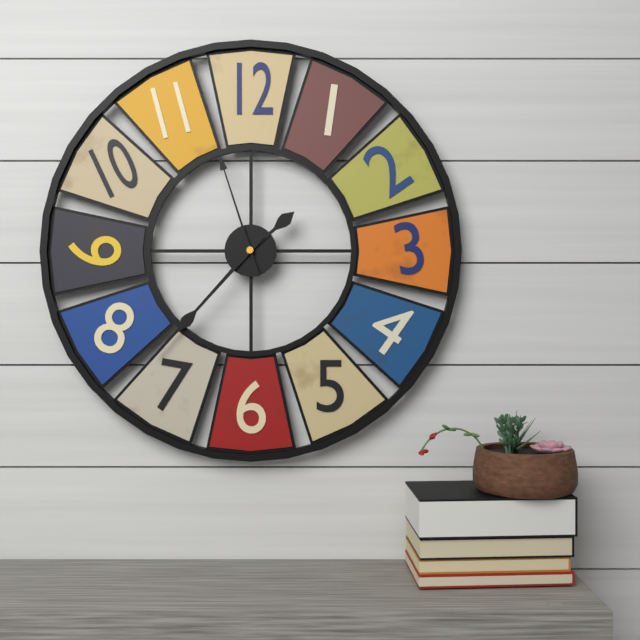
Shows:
1h37m57s
